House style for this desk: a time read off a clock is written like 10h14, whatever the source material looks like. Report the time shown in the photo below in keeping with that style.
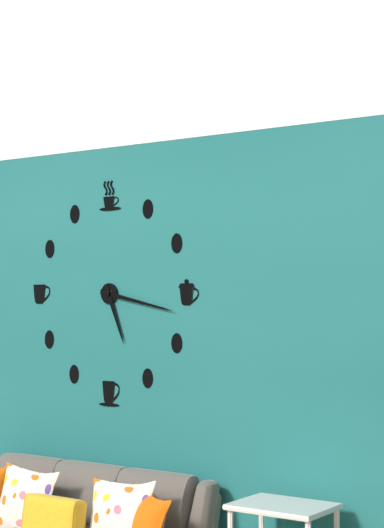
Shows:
5h17
